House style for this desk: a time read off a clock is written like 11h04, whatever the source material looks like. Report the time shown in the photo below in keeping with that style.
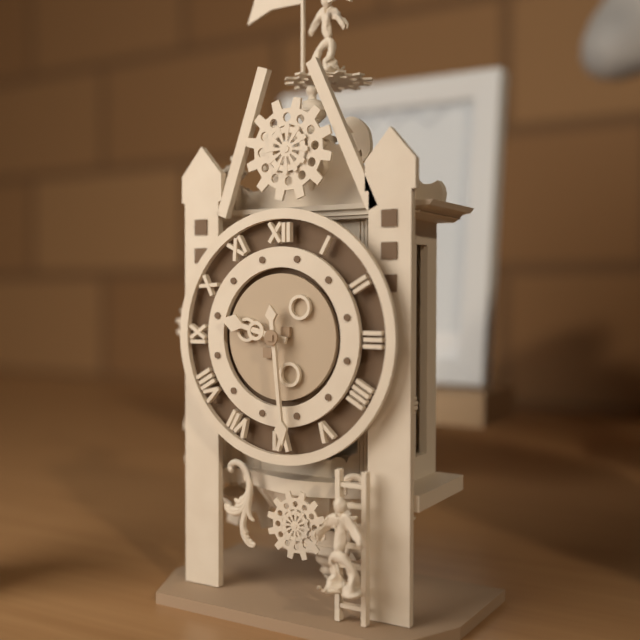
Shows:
9h29
